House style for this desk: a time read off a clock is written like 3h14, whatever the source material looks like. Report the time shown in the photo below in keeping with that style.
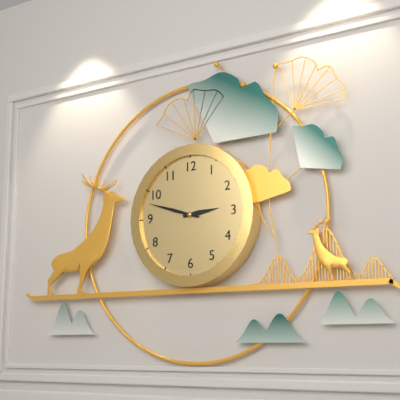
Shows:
2h48
